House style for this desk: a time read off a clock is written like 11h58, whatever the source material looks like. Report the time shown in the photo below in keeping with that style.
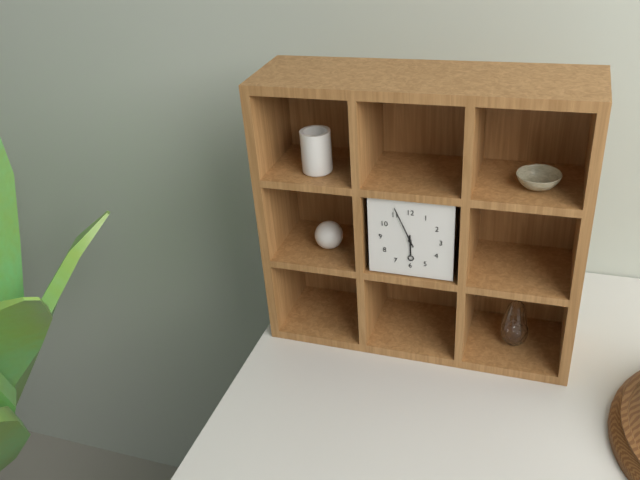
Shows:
5h56
